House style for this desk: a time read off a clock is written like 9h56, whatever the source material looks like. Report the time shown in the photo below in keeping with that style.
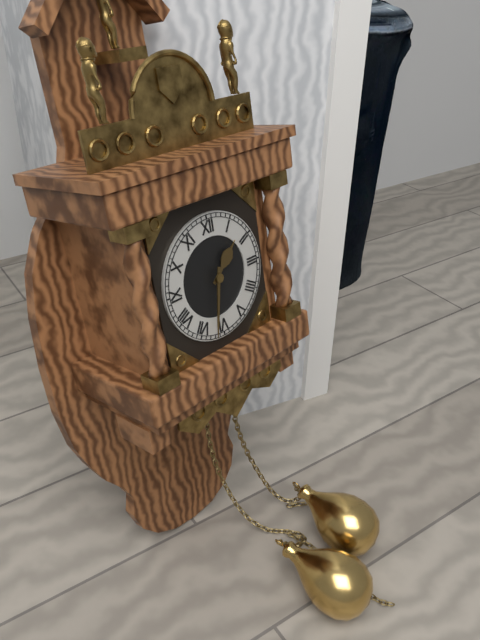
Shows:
1h32
